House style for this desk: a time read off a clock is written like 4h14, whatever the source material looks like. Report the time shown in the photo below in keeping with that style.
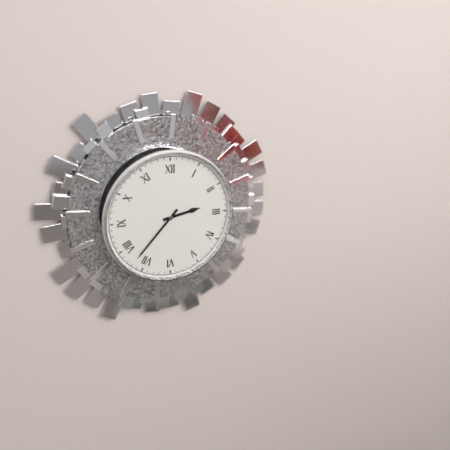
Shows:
2h37
